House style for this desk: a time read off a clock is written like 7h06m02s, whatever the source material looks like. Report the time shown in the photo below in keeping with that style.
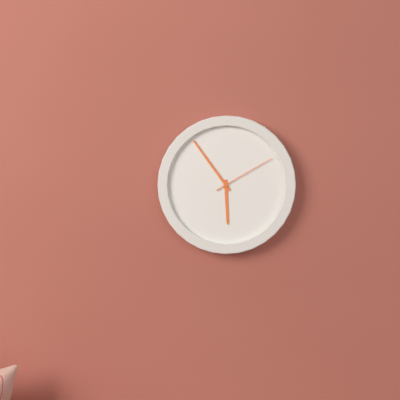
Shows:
5h54m10s
